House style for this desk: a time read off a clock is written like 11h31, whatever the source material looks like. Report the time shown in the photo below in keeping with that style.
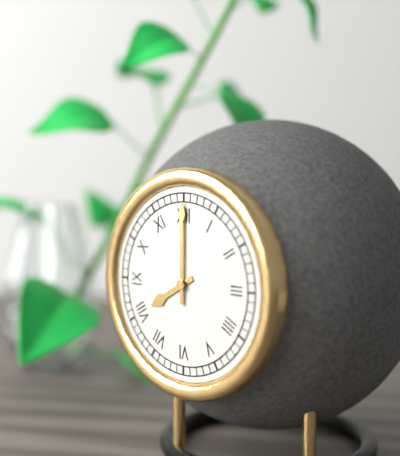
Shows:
8h00
